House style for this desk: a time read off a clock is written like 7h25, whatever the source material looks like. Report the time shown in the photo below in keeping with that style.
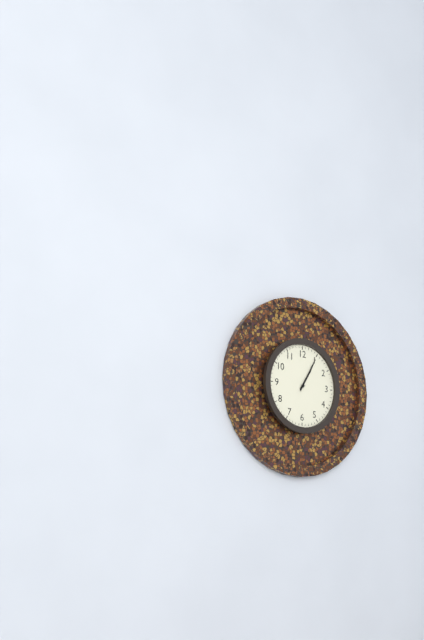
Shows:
1h05
